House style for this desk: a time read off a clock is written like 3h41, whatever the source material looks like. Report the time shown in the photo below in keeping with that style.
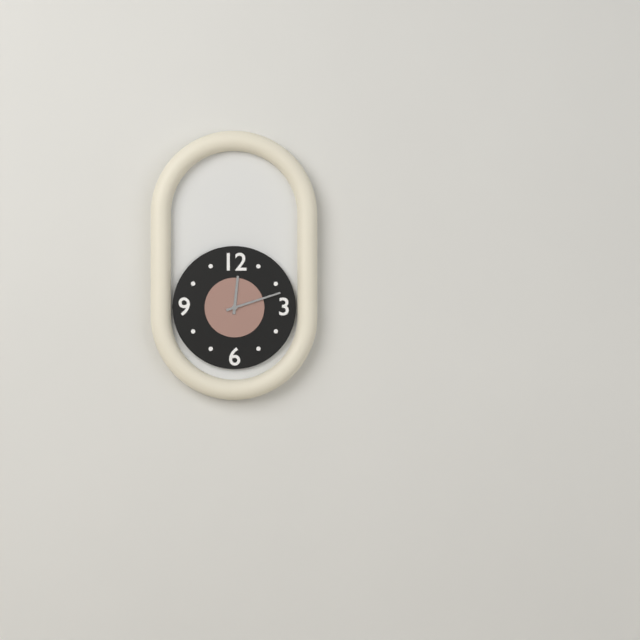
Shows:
12h12
